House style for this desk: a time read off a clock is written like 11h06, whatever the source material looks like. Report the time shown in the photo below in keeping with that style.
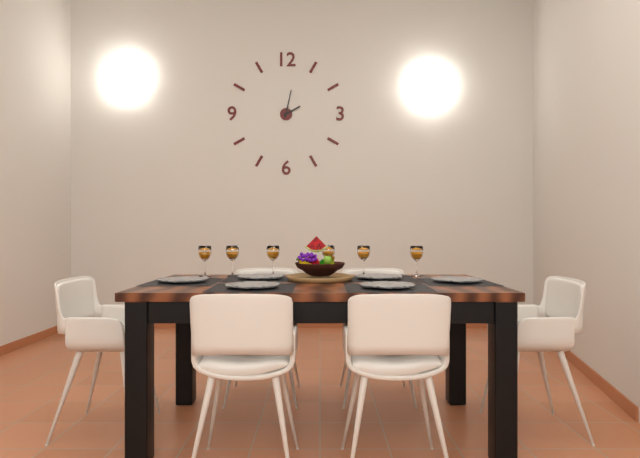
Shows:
2h02
